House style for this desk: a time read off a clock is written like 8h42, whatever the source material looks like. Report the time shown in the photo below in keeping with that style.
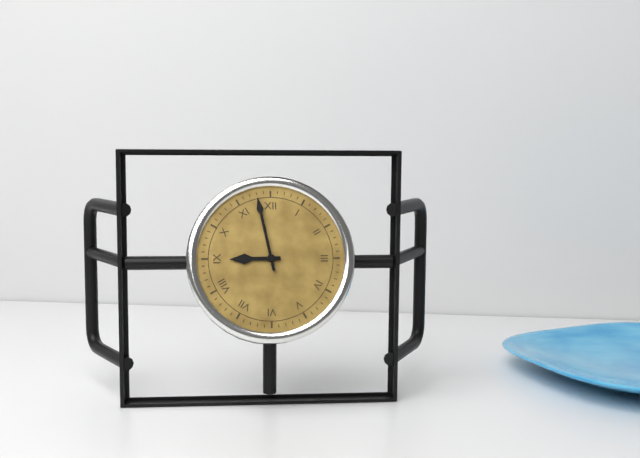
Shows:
8h58
